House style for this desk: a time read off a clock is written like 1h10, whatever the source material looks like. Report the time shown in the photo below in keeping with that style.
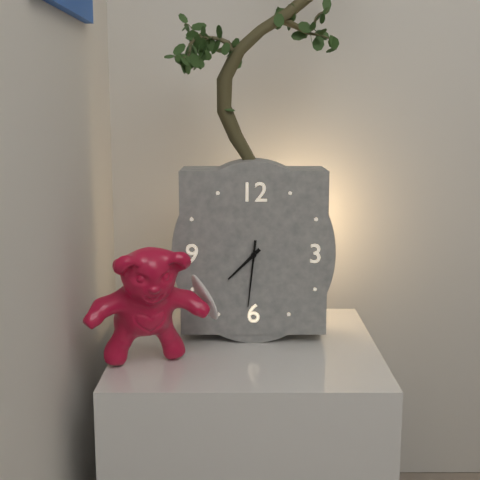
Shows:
7h31
